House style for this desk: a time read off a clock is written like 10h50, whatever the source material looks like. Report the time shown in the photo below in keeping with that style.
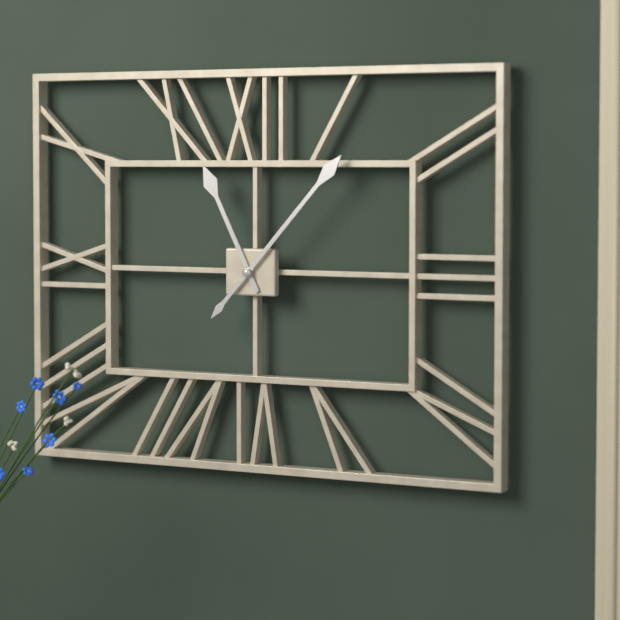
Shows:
11h07
